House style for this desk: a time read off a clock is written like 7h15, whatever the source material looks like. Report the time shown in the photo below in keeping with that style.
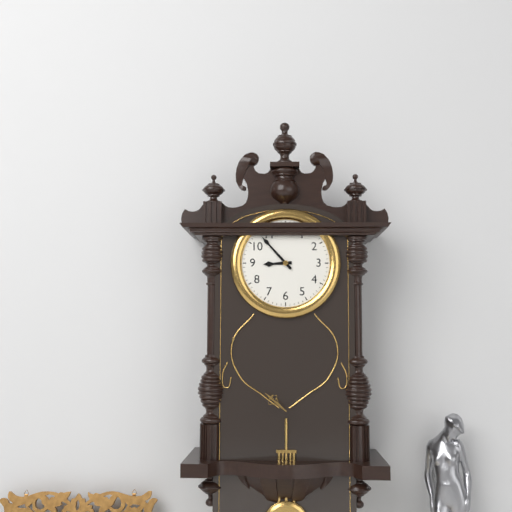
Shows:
8h53
